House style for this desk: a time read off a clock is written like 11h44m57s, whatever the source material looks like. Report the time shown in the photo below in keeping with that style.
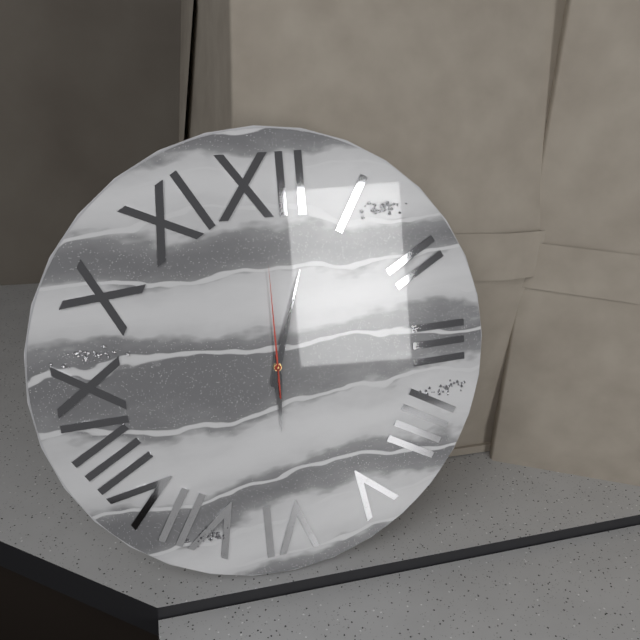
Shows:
6h03m00s
